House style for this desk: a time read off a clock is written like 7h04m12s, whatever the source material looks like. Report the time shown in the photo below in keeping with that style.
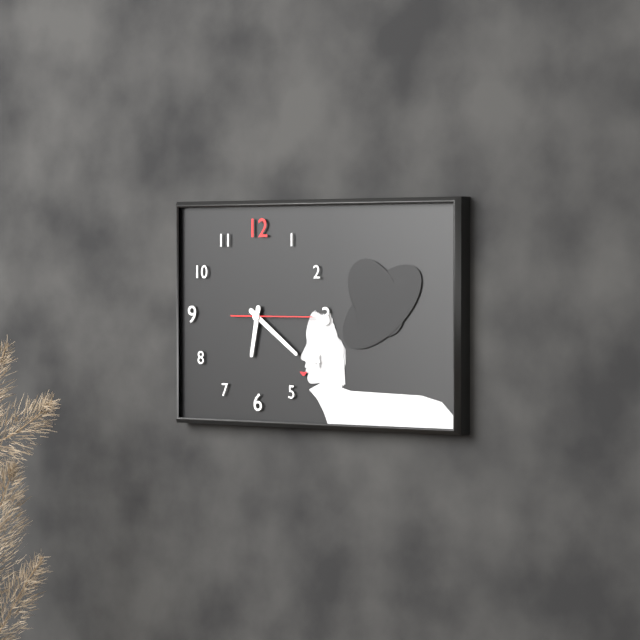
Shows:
6h21m15s
